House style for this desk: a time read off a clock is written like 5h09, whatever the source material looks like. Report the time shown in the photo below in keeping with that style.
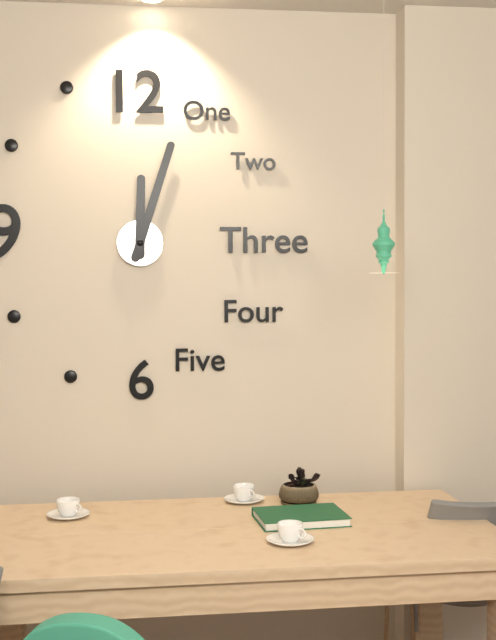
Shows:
12h03
